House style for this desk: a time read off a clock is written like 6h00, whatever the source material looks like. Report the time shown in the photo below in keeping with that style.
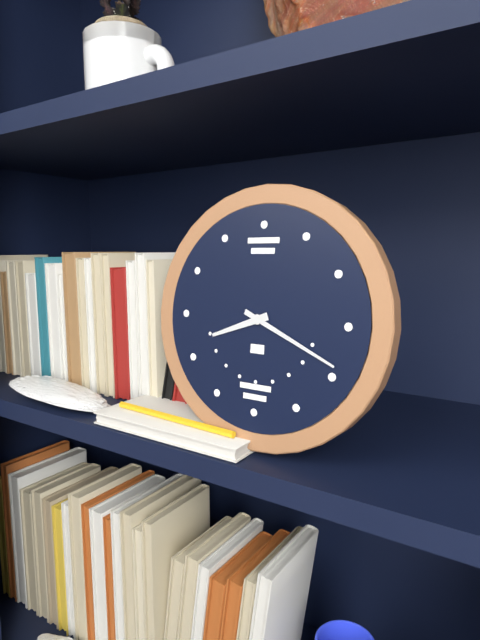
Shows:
8h19
